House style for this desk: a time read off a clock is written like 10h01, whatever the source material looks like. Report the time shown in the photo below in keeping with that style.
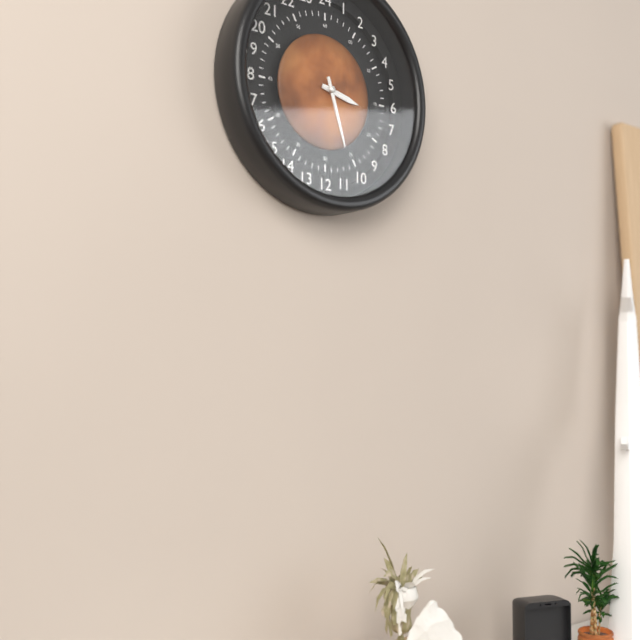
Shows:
3h27
